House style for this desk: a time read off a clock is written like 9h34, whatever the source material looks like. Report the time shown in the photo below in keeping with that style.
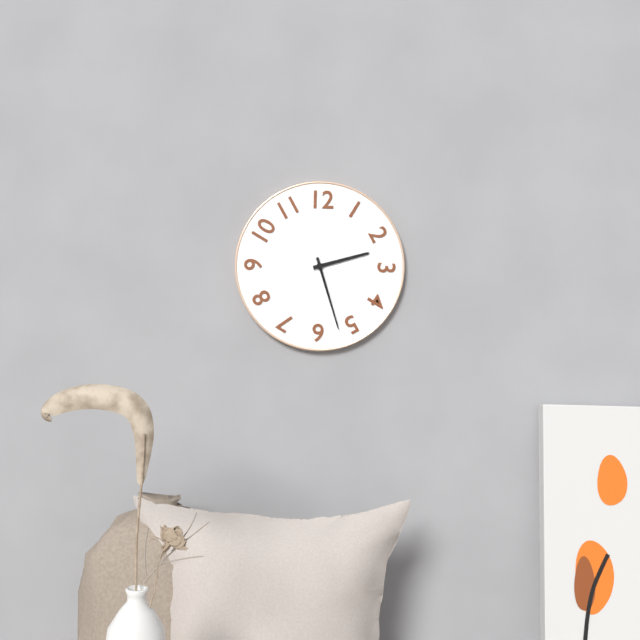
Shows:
2h27
